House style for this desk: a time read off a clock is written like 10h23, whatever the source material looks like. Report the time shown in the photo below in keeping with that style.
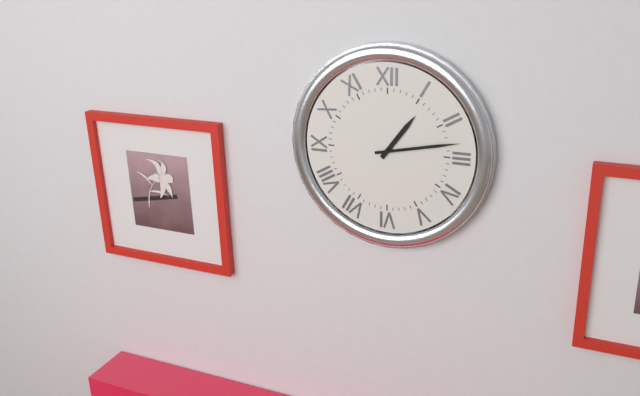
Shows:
1h13
